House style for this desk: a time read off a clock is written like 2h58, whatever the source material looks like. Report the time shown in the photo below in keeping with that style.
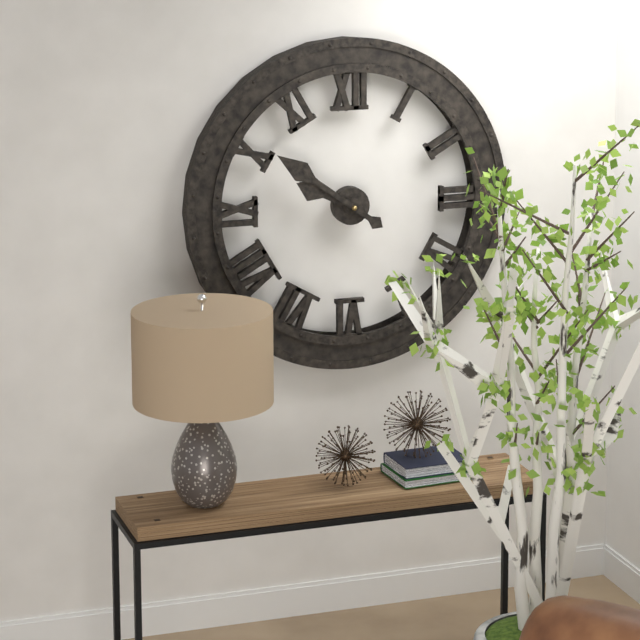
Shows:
9h51
